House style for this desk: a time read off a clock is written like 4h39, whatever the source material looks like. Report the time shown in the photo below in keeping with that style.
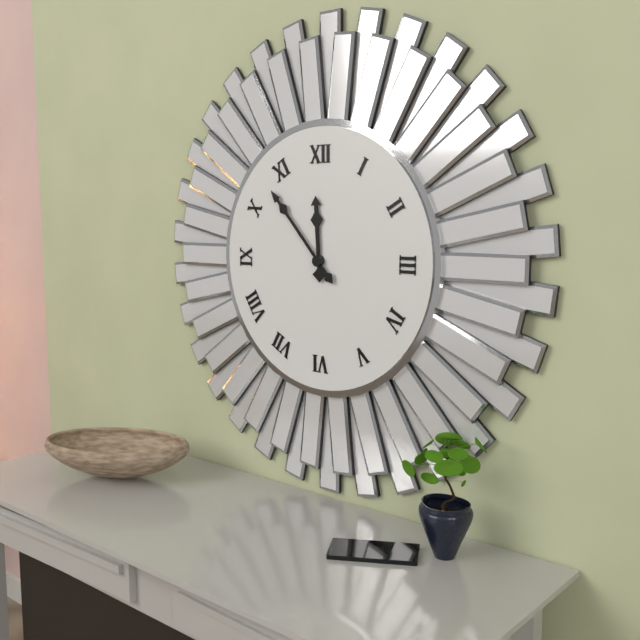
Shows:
11h53
